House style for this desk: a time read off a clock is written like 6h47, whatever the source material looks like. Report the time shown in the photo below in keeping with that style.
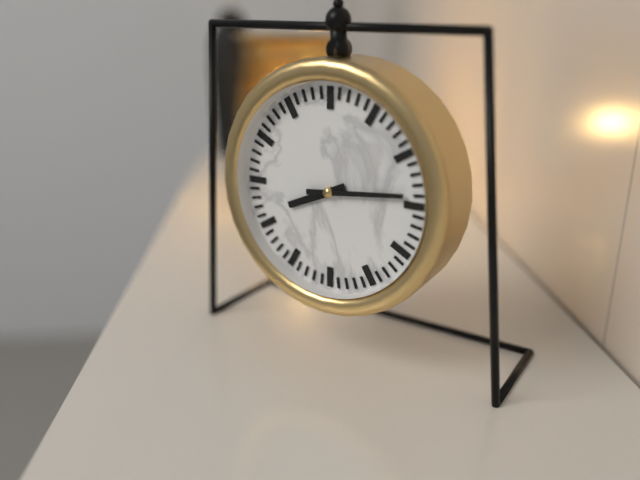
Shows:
8h14
